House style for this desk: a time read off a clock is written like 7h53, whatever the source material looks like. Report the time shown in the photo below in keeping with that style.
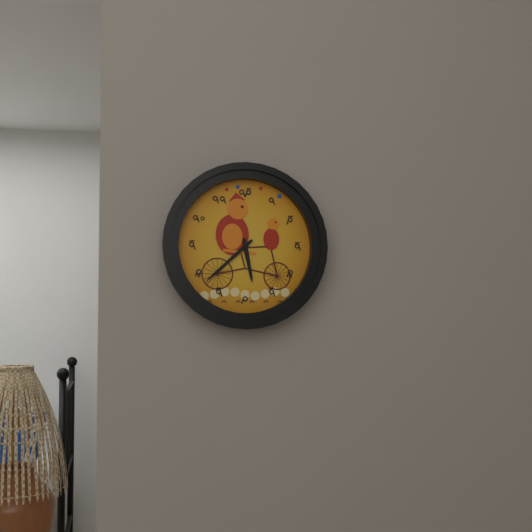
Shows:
5h38
